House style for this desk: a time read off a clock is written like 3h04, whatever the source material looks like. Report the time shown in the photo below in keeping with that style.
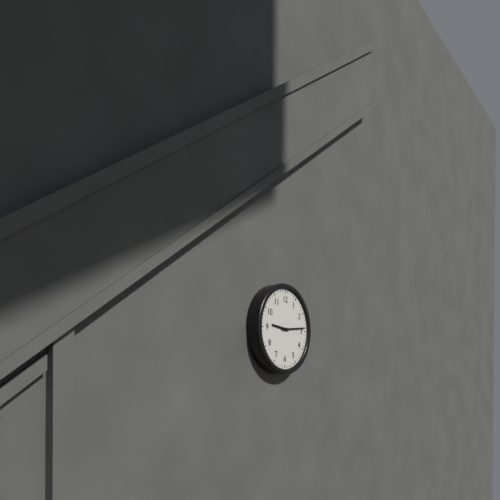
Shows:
9h14
